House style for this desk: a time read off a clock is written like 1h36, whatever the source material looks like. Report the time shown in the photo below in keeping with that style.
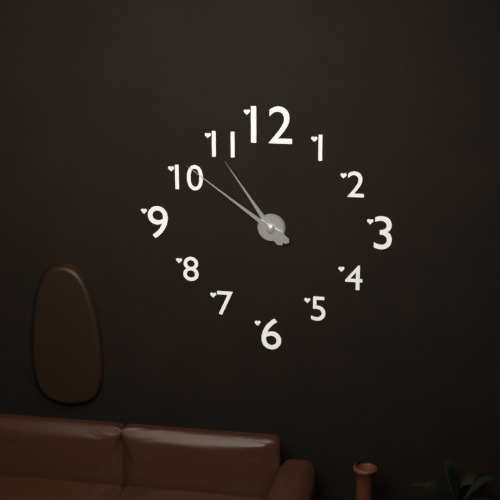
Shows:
10h51
